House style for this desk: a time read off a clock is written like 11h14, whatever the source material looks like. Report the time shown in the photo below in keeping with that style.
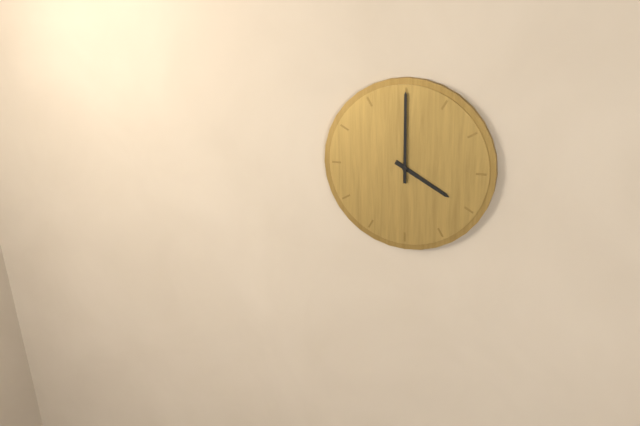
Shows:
4h00
